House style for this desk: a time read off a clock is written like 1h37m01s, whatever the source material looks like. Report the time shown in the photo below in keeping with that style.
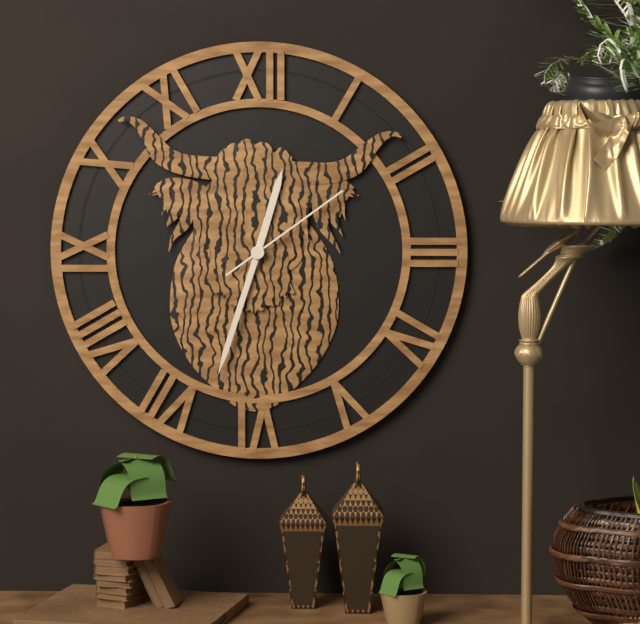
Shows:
12h33m09s
